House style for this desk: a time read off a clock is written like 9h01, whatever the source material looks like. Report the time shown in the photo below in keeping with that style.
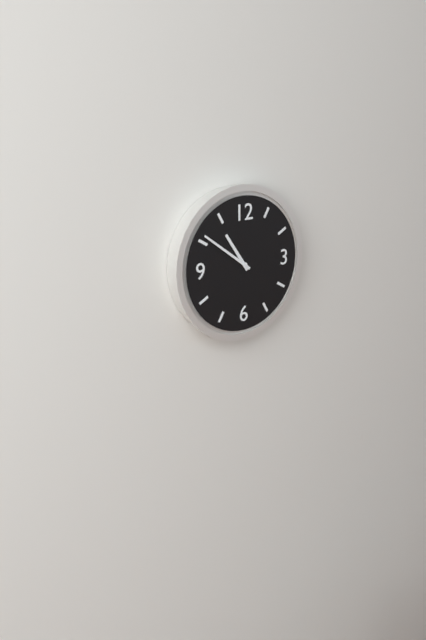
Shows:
10h51
